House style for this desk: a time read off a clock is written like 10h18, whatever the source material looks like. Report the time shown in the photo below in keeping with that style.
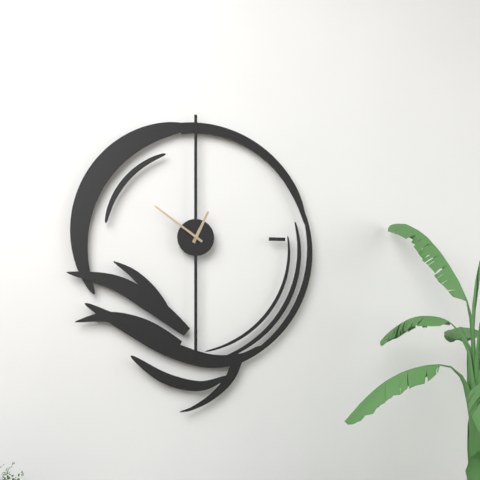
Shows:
12h51
